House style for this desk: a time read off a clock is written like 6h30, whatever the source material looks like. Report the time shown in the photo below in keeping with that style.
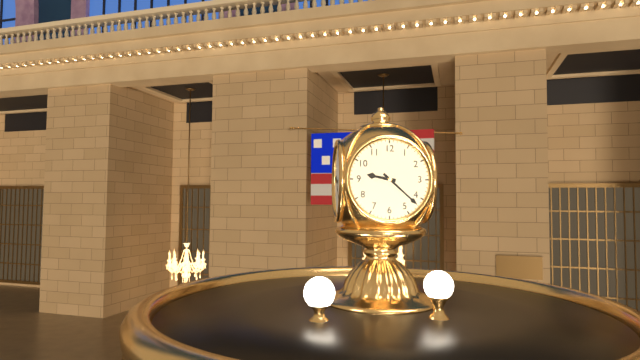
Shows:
9h22
